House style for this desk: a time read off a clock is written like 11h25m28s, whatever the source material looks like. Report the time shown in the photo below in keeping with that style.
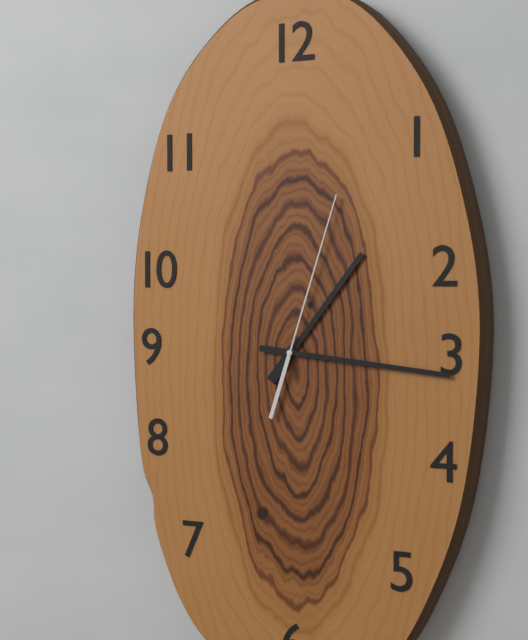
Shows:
1h16m03s
